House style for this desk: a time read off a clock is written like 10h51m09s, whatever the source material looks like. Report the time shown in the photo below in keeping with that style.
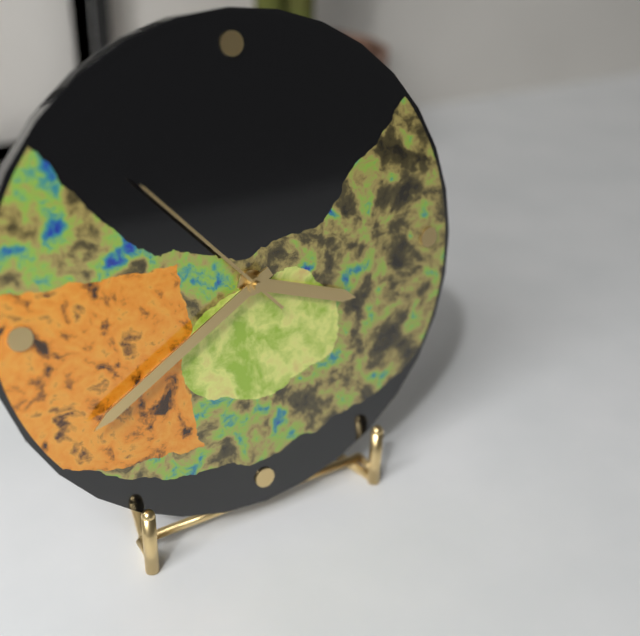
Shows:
3h40m53s
